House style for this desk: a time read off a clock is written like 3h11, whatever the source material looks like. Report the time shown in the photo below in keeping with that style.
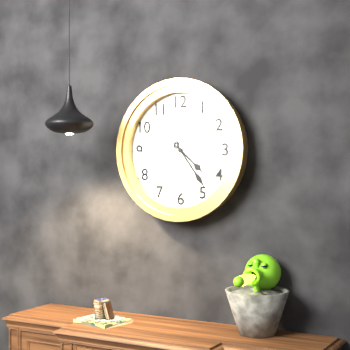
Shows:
4h24
